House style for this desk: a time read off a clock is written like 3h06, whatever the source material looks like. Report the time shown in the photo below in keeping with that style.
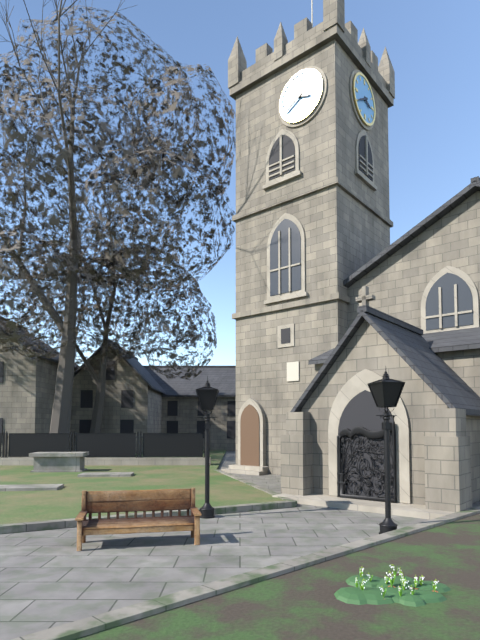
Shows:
3h40
